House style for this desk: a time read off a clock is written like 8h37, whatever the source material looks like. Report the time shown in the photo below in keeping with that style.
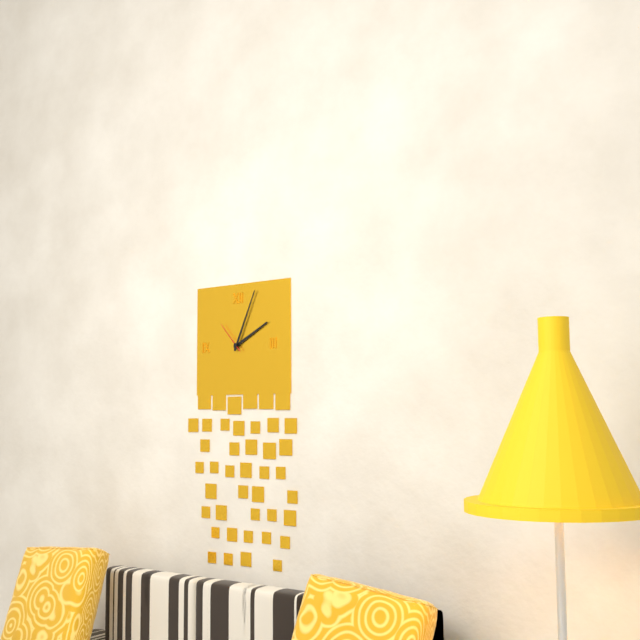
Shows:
2h04
